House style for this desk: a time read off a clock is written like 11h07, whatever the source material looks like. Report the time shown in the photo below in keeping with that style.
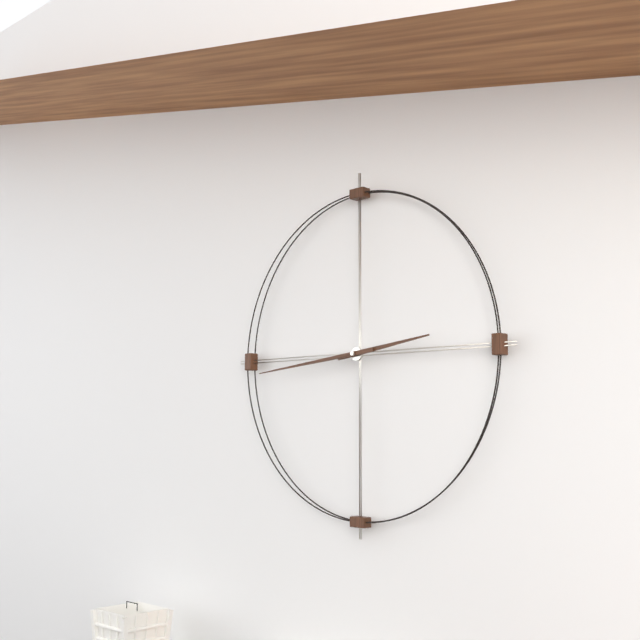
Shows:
2h44
